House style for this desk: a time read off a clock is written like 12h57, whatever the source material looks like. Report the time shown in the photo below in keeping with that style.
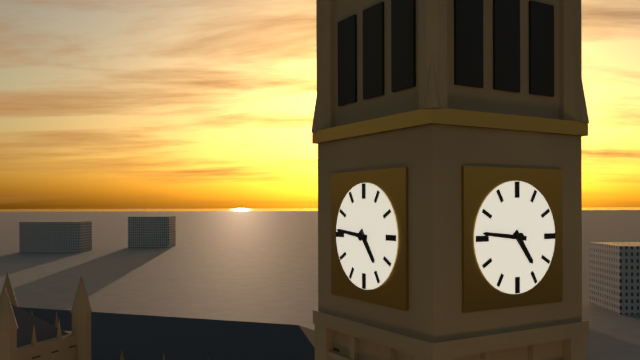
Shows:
4h46
